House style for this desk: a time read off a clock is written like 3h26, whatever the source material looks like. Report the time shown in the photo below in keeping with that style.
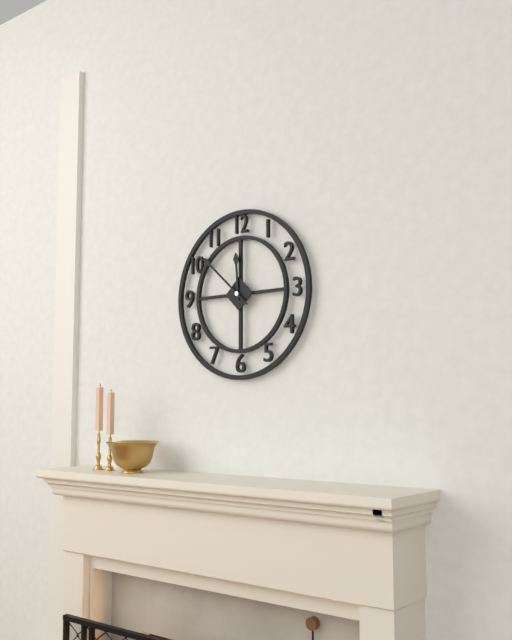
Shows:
11h52
